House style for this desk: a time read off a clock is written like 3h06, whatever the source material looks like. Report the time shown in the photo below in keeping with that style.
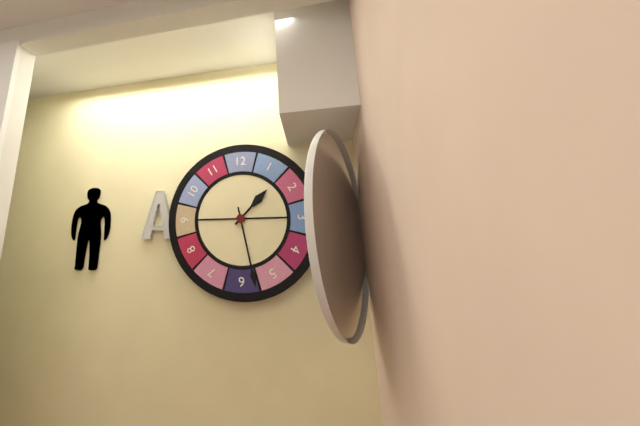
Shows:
1h28
